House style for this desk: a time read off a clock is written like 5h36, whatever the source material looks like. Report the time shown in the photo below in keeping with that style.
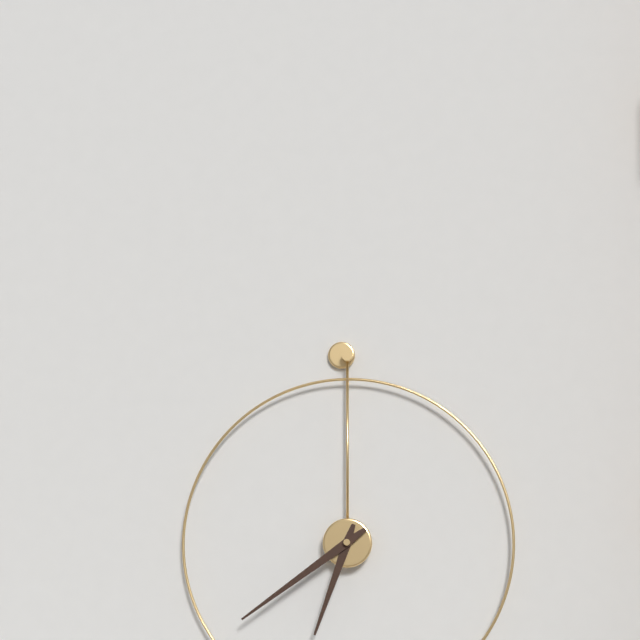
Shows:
6h39
